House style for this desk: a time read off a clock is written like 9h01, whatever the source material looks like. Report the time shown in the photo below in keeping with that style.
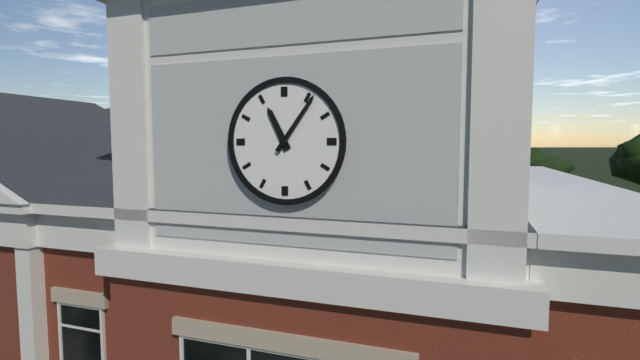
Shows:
11h06
